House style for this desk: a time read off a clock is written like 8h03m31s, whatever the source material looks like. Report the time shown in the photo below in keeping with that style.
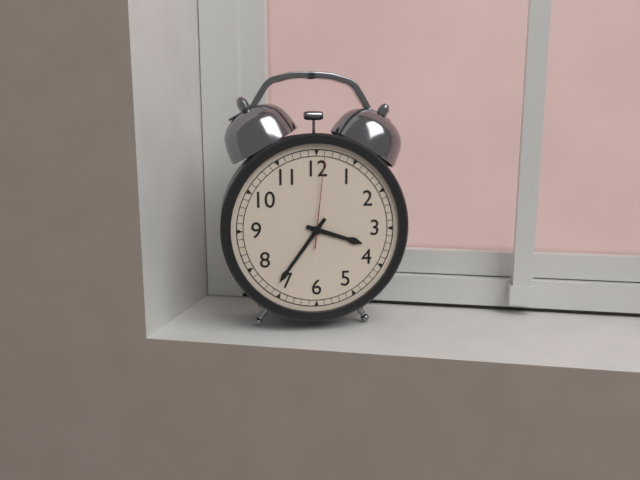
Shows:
3h36m01s
